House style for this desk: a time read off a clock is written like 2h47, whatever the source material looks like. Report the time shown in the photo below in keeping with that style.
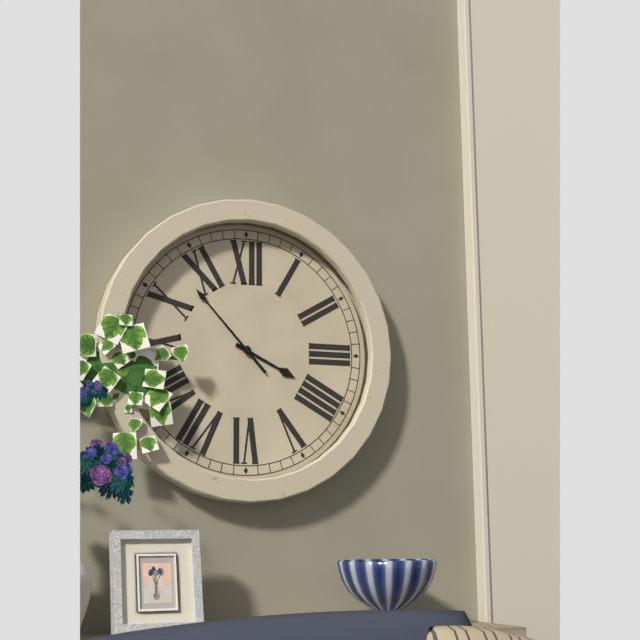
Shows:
3h53
